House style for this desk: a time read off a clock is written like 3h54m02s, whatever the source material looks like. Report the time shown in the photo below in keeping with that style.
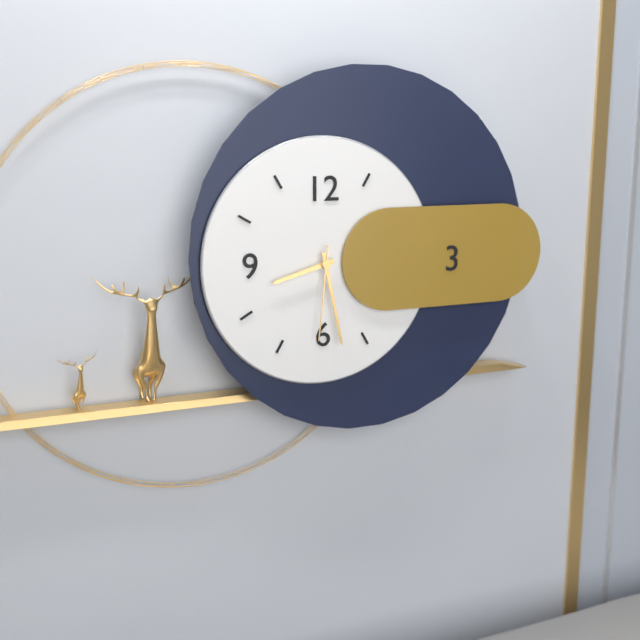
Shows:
8h28m31s
